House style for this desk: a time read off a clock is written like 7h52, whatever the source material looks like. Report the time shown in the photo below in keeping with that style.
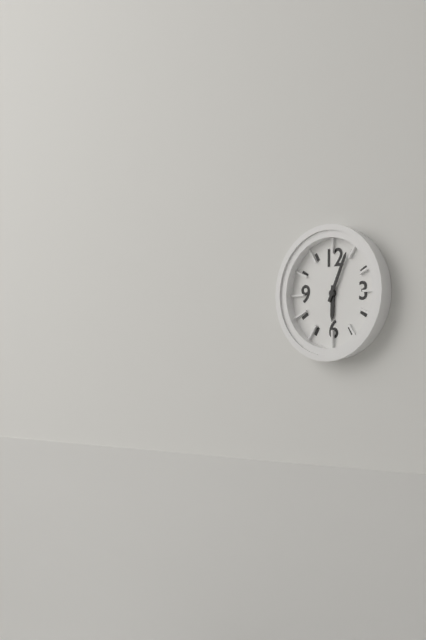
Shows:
6h04
